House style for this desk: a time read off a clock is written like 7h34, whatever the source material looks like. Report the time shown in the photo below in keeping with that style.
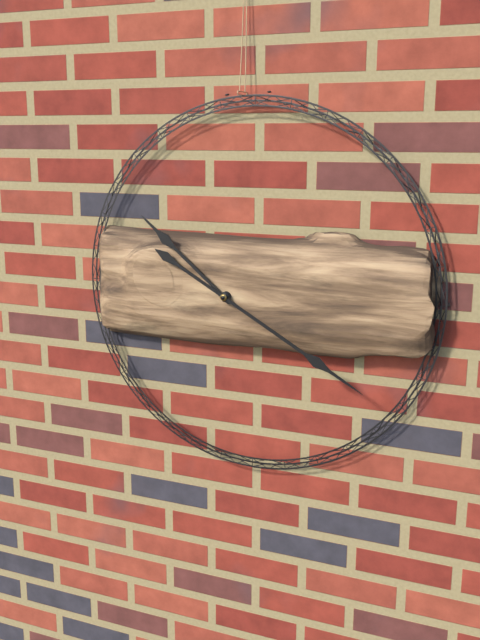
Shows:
10h20
